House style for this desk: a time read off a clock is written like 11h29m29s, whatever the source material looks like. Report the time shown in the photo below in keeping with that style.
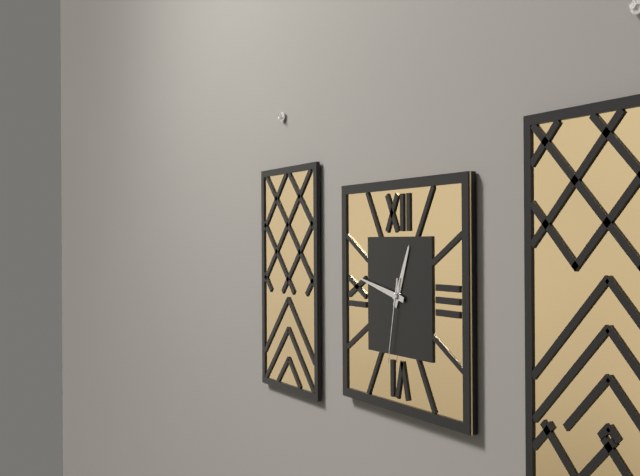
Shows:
12h47m32s
